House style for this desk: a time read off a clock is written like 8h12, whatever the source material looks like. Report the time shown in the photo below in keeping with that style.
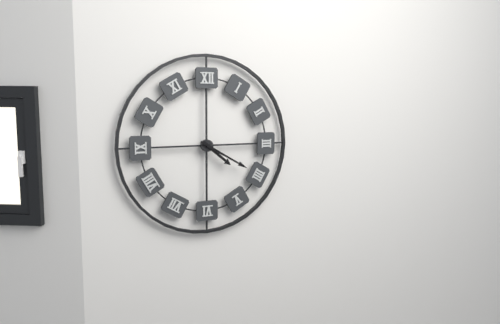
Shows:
4h20
